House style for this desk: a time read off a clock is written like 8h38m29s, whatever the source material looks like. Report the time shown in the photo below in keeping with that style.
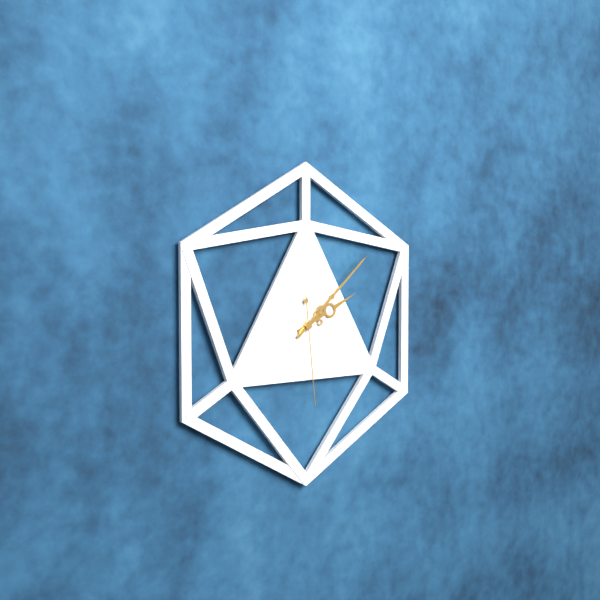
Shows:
2h08m29s
